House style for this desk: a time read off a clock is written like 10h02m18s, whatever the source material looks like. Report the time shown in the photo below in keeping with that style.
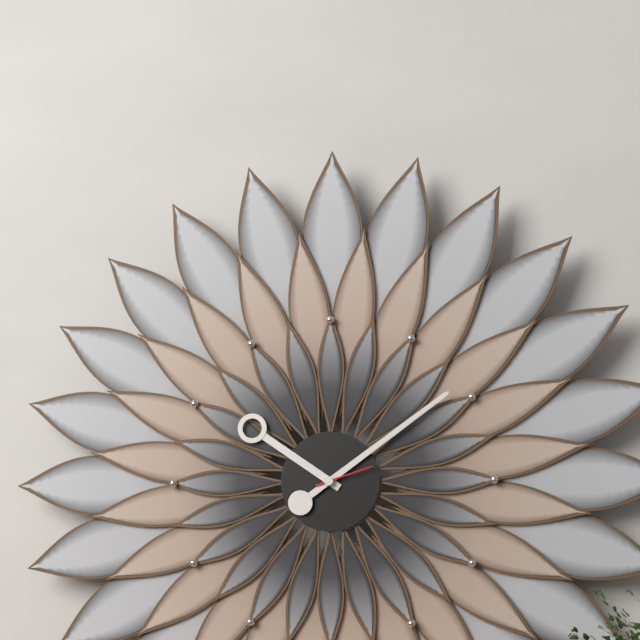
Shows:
10h09m12s
